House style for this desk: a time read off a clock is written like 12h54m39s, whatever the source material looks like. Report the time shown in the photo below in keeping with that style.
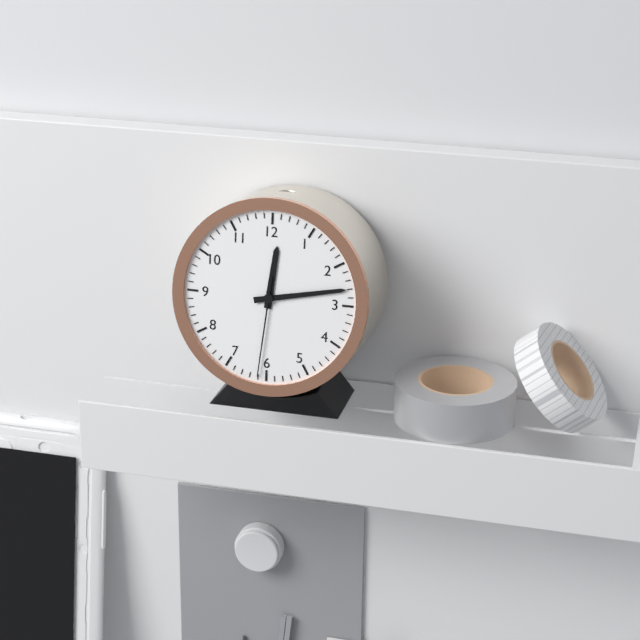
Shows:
12h13m31s
